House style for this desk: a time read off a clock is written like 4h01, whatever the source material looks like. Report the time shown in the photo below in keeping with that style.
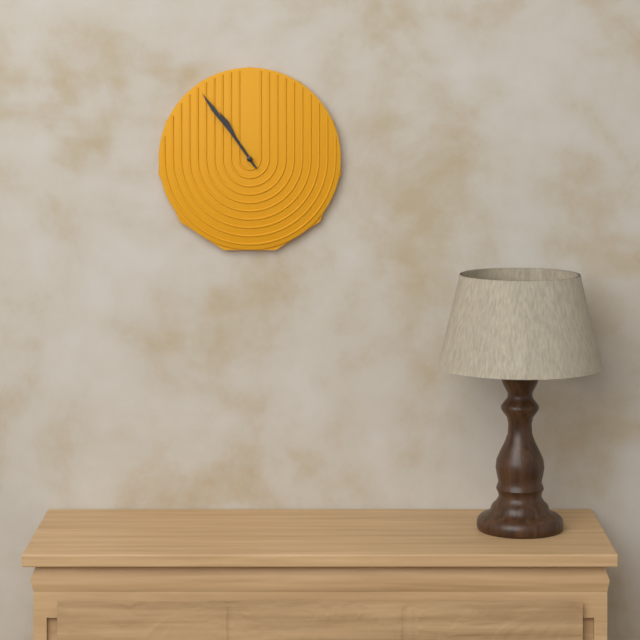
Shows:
10h54
